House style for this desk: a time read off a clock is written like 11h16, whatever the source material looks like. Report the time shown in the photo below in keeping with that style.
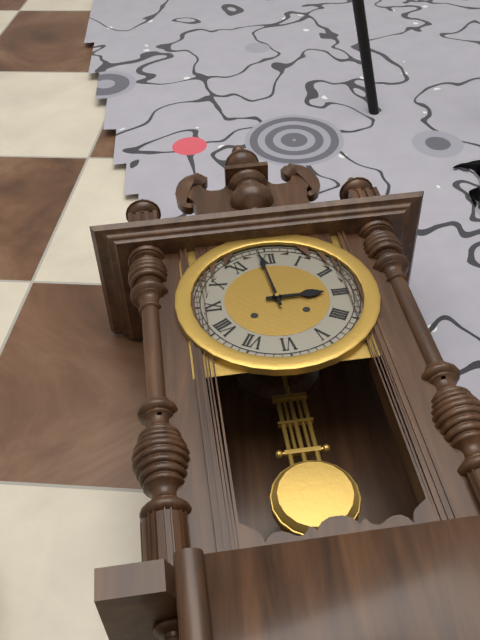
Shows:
2h59
